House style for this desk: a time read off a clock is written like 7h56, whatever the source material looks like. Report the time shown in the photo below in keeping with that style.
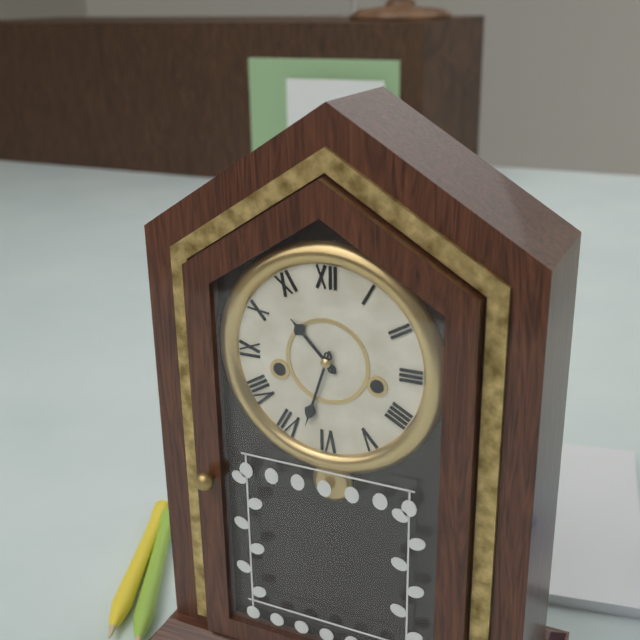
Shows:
10h33
